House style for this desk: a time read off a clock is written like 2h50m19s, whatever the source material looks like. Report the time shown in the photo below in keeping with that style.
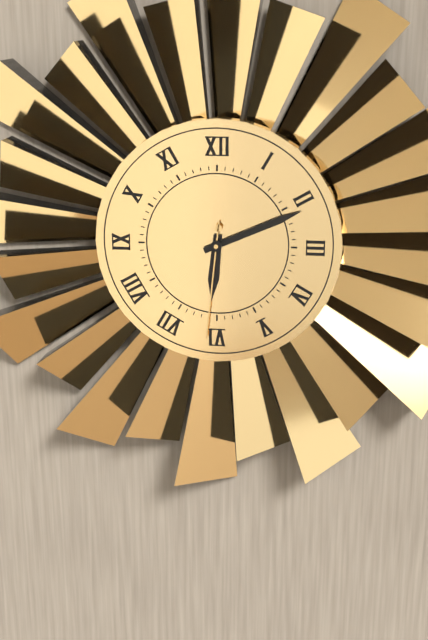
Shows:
6h11m31s
